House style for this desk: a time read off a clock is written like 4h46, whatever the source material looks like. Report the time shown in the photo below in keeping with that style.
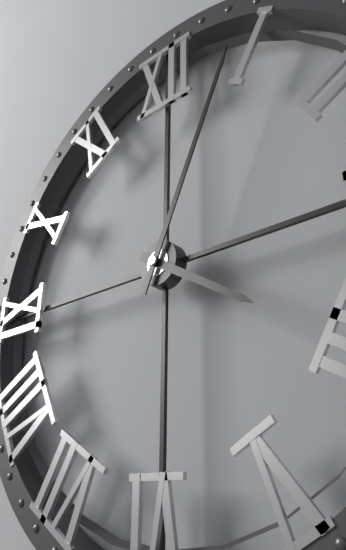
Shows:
4h04
